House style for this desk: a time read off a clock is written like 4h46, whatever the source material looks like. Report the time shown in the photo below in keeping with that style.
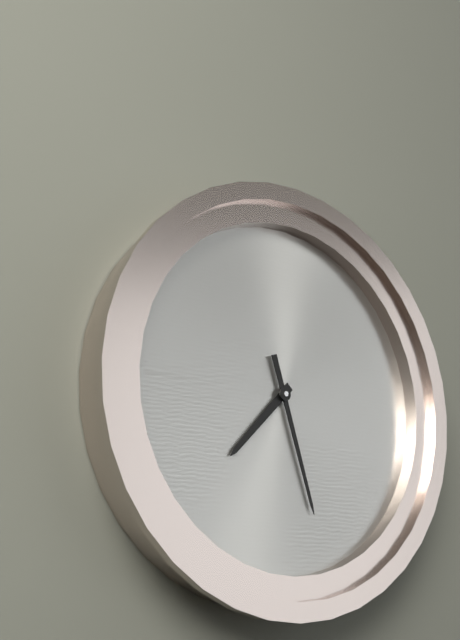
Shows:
7h27
